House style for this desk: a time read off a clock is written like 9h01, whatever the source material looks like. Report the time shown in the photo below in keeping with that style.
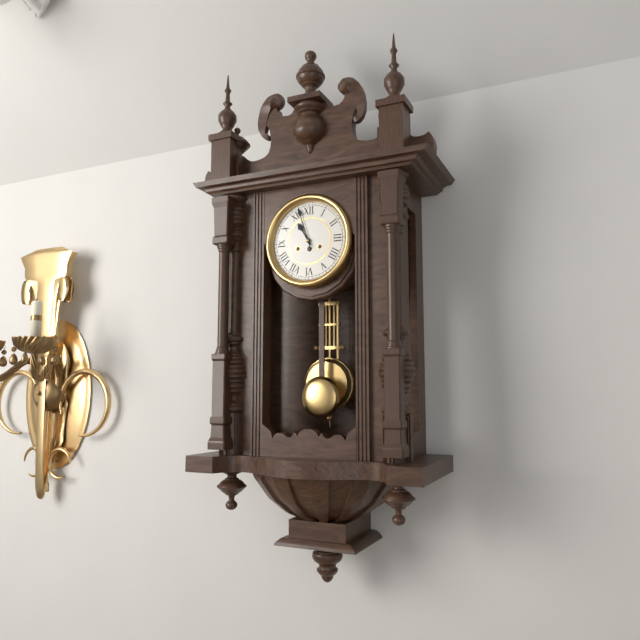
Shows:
10h57
